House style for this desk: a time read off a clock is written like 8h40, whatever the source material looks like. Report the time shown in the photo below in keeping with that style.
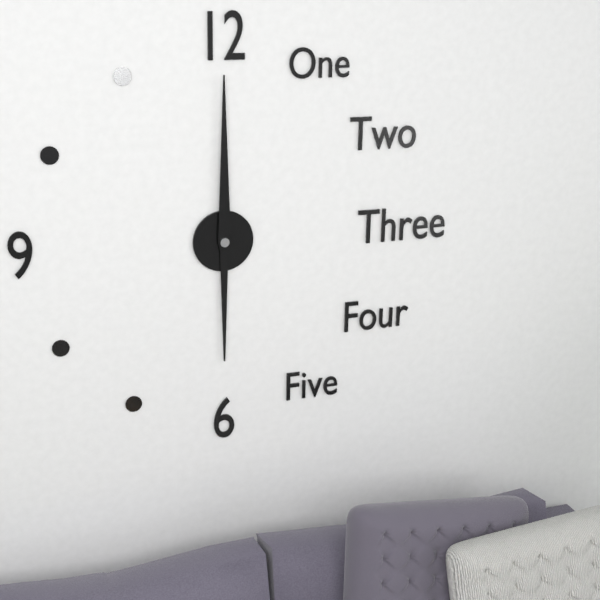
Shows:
6h00
